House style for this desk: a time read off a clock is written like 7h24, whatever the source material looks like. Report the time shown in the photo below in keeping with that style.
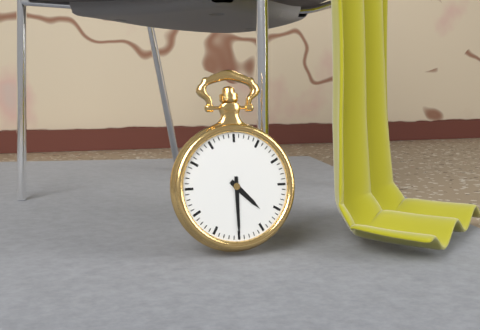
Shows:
4h30
